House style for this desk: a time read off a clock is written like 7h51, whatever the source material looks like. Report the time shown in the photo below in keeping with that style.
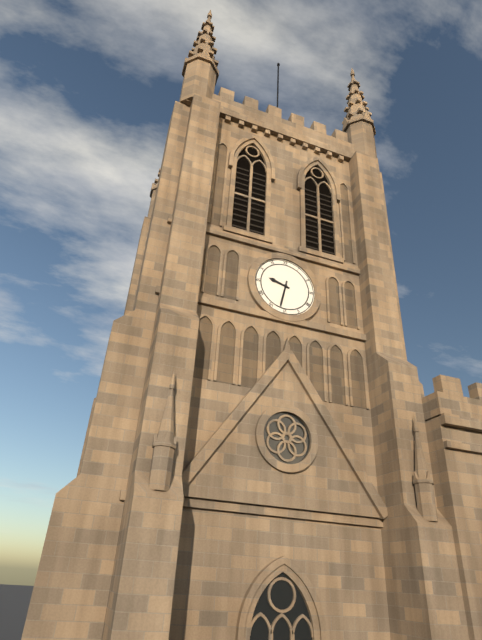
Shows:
9h32
